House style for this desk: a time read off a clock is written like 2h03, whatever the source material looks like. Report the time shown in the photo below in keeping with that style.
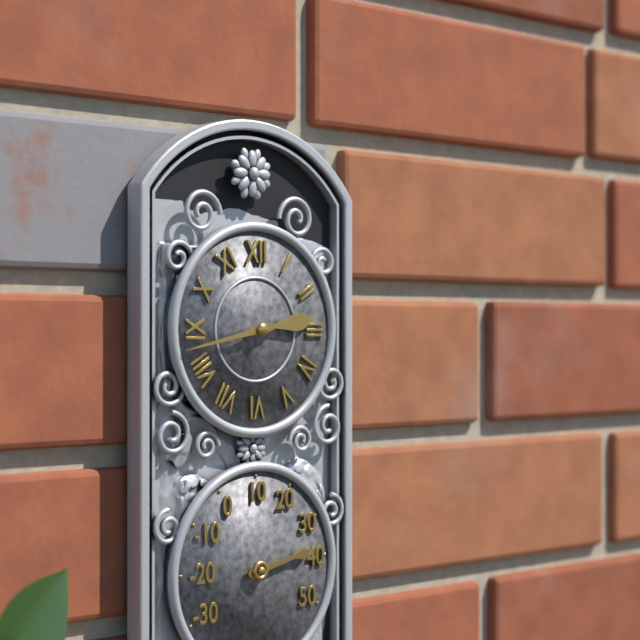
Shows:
2h43
